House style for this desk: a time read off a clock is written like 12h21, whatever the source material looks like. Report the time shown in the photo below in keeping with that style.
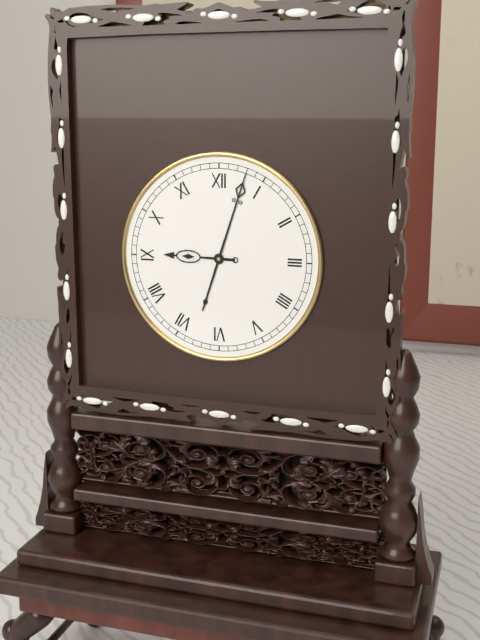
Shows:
9h03
